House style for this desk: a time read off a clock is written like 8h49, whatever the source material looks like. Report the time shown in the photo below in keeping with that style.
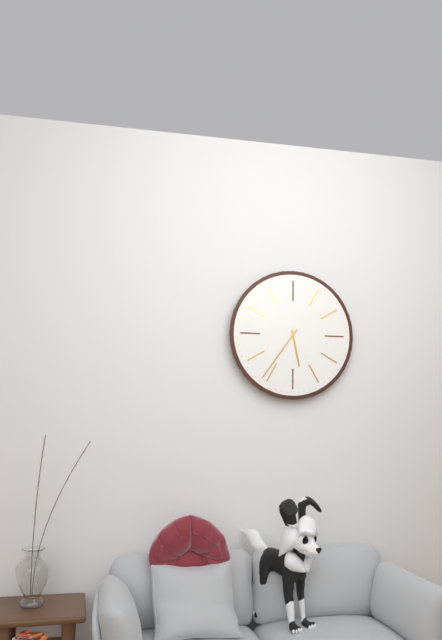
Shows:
5h36
